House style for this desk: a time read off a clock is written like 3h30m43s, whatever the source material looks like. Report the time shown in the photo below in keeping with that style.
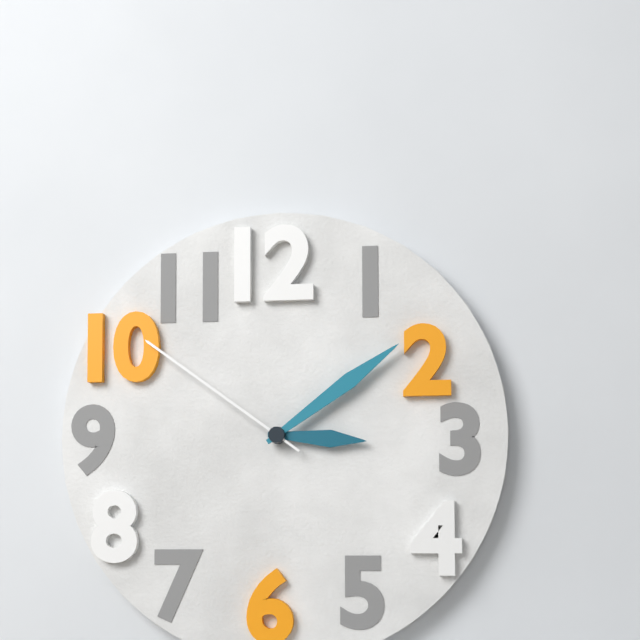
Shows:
3h09m51s
